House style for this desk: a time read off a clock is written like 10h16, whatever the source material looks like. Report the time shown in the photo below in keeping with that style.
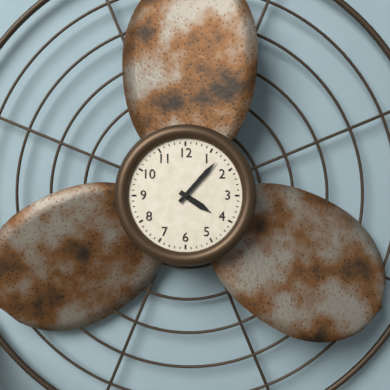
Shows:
4h07
